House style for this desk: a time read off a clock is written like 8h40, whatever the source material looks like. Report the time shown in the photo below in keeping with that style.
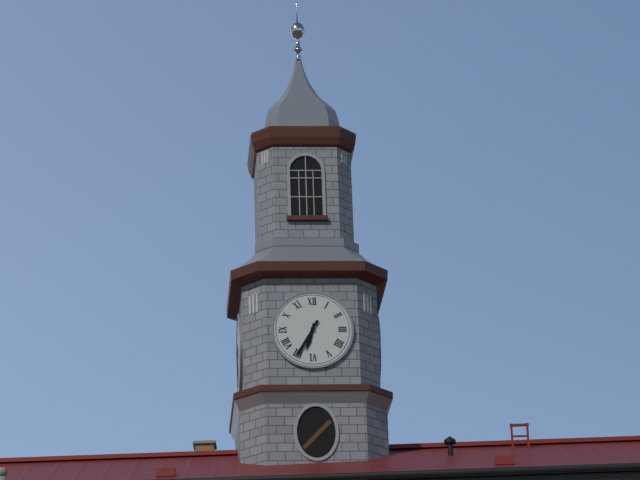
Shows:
6h35
